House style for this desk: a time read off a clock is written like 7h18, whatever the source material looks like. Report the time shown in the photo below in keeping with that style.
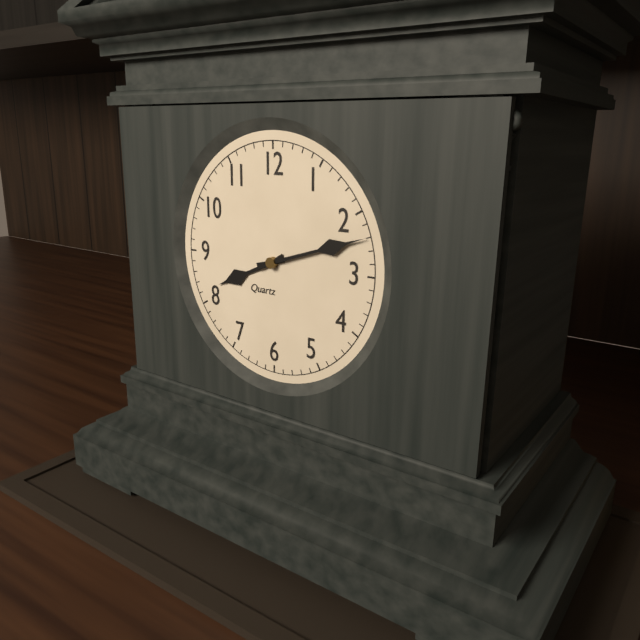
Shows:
8h12
